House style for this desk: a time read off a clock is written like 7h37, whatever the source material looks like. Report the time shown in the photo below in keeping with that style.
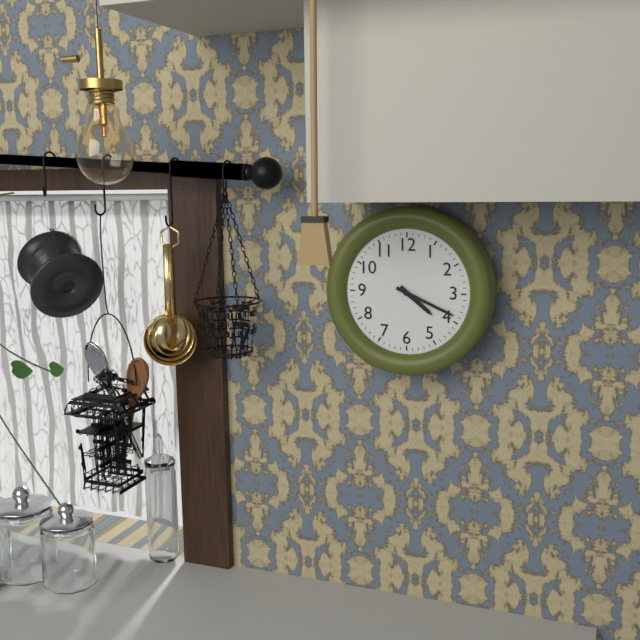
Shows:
4h19
